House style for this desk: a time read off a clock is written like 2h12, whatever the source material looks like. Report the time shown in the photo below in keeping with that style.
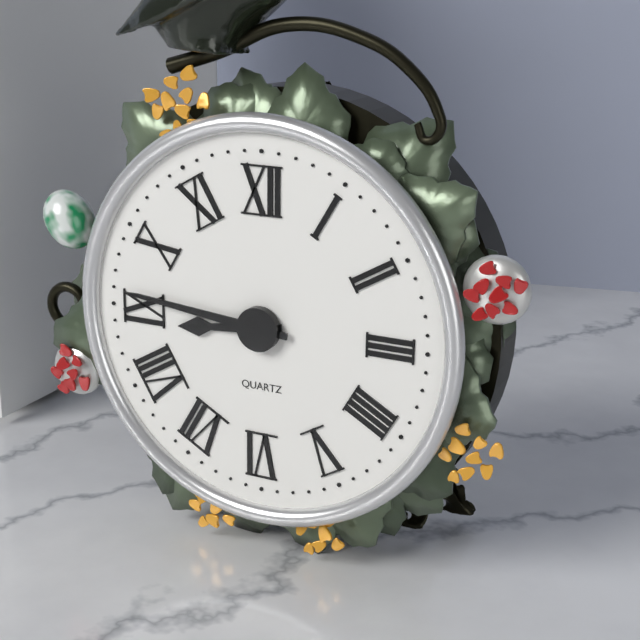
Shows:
8h46
